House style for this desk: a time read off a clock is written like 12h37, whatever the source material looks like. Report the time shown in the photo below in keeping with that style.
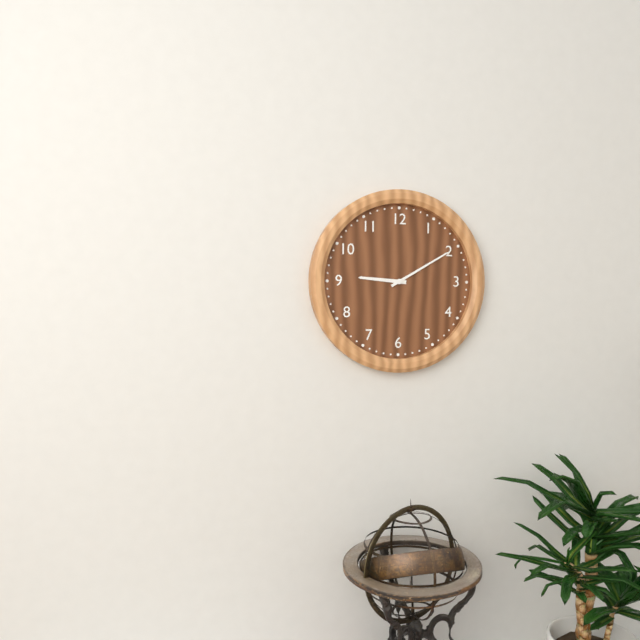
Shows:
9h10
